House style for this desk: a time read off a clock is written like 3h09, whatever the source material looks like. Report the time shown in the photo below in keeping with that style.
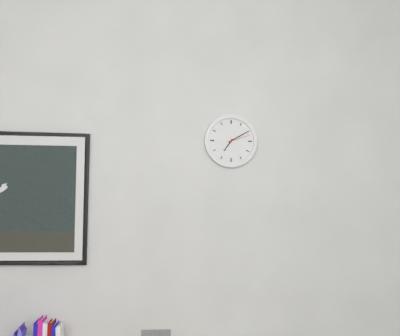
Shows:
7h10
